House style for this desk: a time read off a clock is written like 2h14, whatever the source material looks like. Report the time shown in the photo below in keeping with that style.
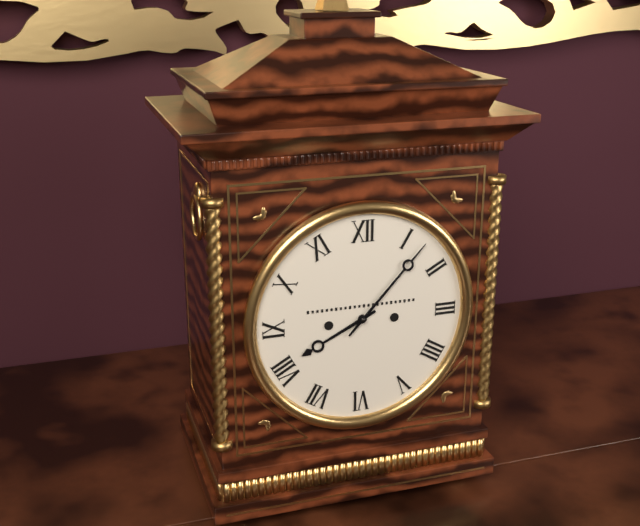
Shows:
8h07
